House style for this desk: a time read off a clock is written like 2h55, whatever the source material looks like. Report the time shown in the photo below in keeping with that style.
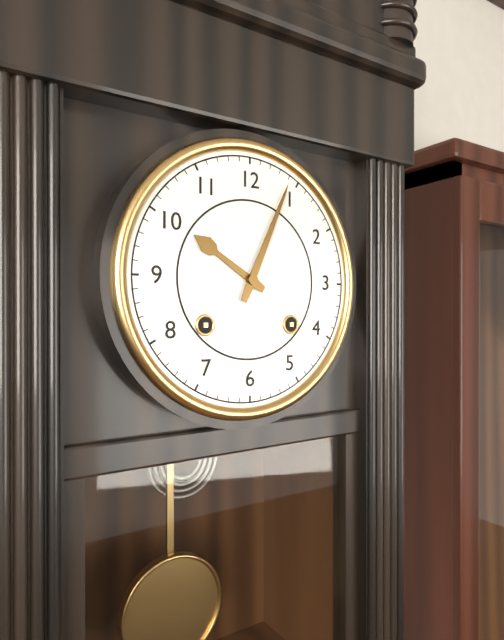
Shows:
10h04
